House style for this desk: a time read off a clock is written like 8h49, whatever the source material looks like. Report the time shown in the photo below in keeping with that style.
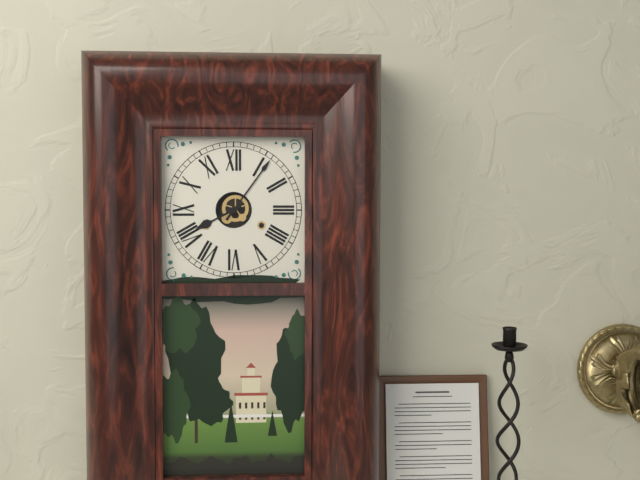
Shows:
8h06
